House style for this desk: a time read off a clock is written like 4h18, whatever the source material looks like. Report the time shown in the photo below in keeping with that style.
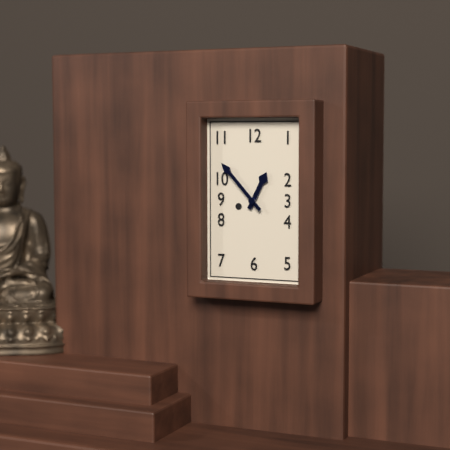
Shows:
12h53
